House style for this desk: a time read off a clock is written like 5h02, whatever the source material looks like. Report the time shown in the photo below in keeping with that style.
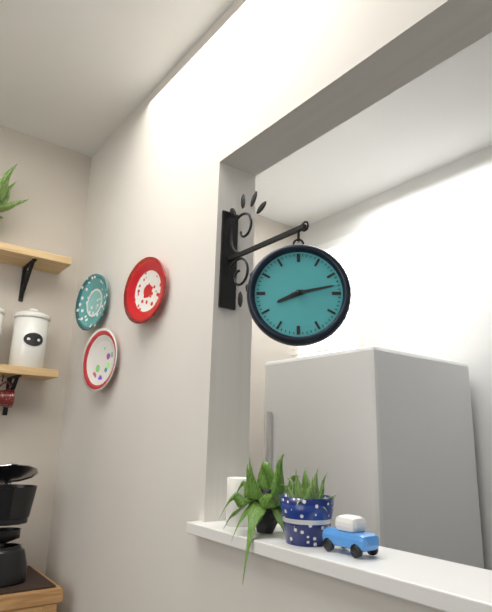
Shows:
8h13
